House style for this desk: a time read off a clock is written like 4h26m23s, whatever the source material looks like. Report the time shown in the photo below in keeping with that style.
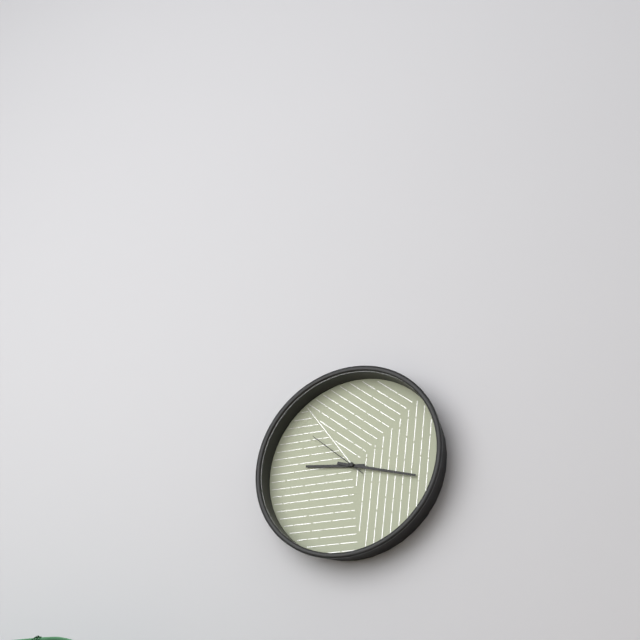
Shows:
9h18m52s
